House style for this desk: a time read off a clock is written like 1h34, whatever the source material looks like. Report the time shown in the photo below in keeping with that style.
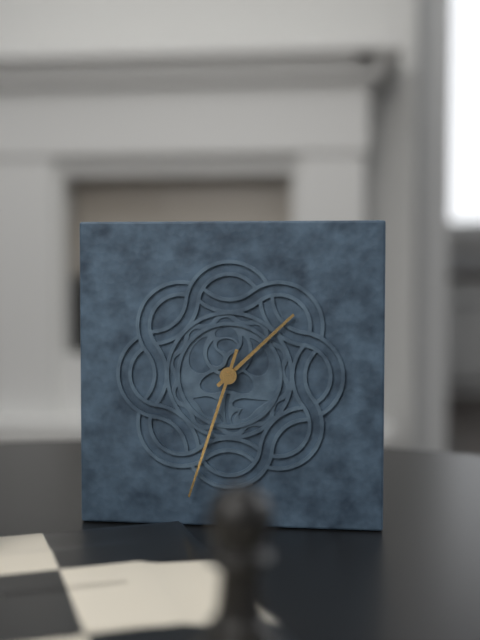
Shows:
1h33
